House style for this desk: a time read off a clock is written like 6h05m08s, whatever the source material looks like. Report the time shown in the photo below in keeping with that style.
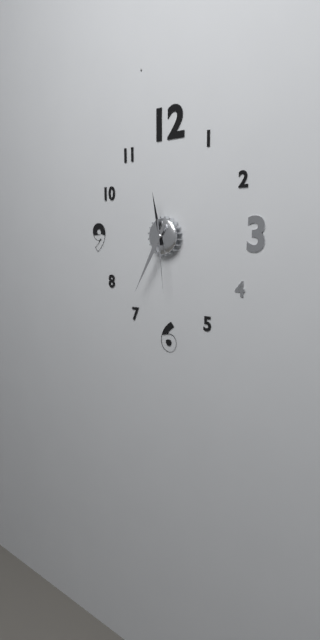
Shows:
11h35m29s
